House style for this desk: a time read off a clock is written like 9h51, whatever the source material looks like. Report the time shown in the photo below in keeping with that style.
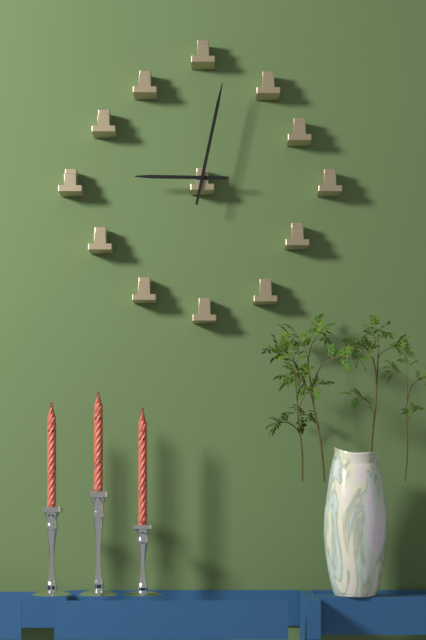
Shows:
9h02
